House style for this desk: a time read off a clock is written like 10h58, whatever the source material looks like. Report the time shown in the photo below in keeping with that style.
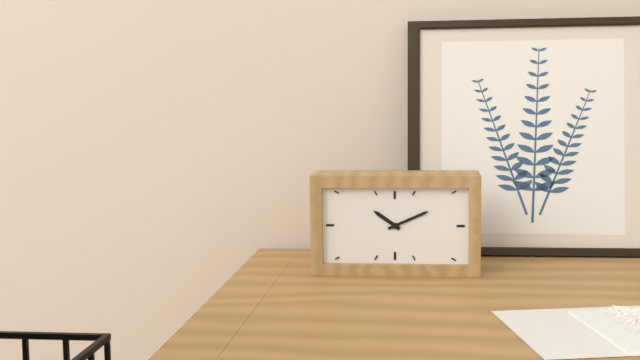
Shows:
10h11
